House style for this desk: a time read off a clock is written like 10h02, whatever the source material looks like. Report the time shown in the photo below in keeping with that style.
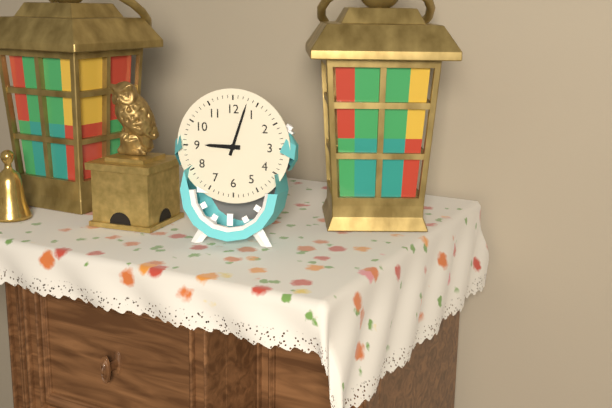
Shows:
9h03
